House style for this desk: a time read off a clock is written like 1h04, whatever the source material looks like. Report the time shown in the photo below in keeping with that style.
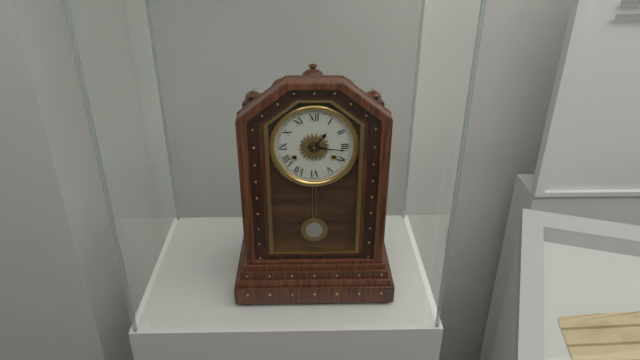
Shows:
1h16
